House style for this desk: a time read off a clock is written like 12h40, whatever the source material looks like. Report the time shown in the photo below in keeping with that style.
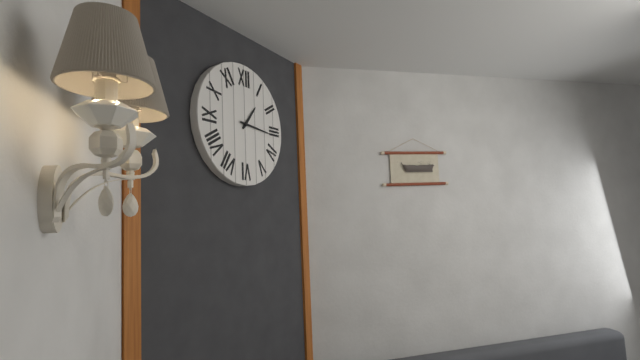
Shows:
1h16
